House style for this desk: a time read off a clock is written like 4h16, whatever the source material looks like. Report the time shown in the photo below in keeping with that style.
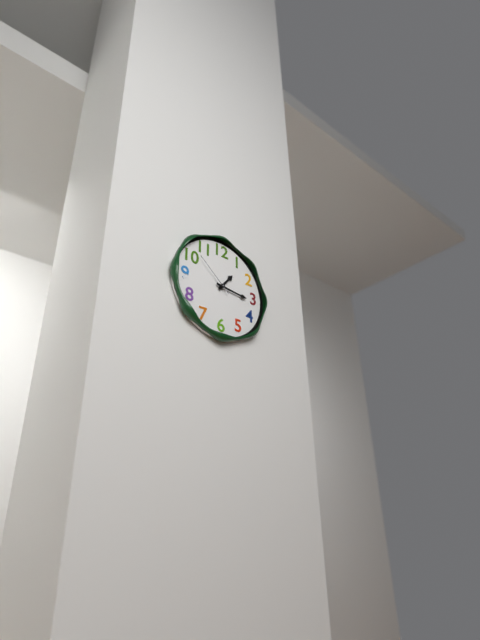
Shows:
1h16
